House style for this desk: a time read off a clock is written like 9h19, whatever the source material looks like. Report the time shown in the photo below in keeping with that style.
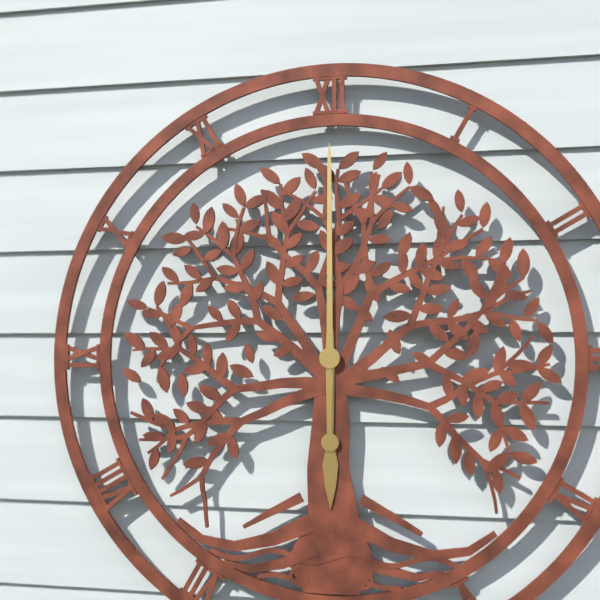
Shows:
6h00
